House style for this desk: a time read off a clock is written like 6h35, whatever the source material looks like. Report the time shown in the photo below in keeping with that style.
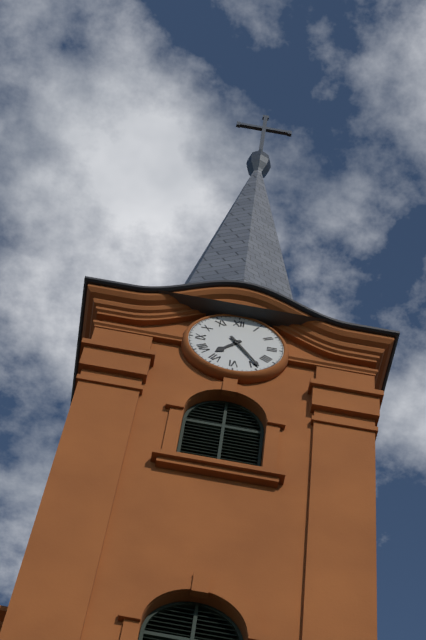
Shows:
7h24
